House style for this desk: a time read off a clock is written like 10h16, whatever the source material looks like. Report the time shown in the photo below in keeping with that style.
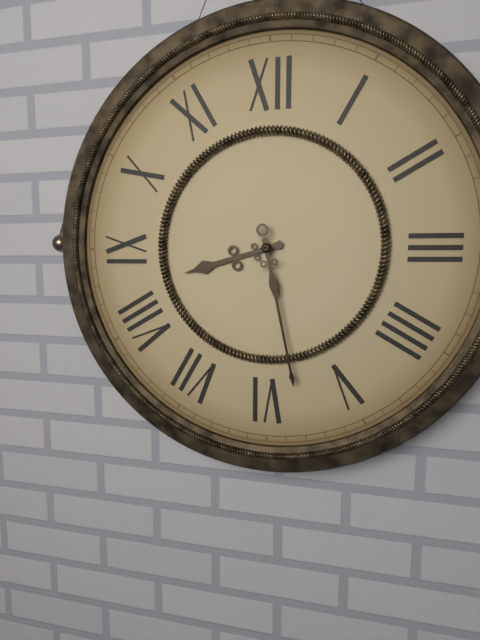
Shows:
8h28
